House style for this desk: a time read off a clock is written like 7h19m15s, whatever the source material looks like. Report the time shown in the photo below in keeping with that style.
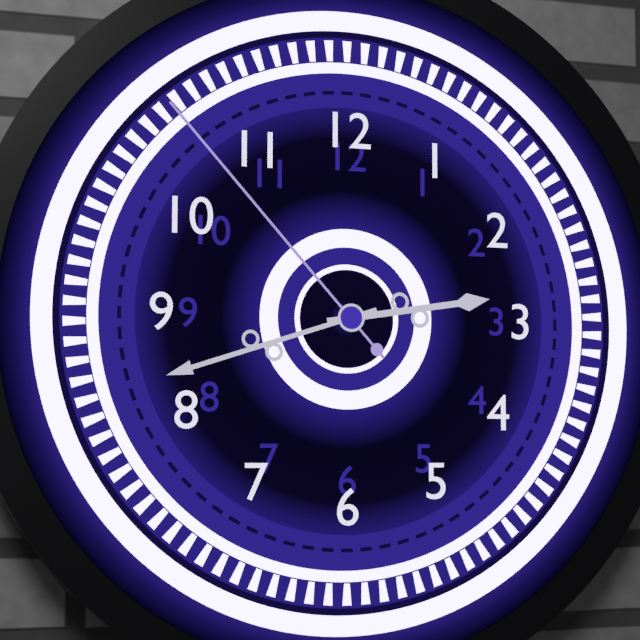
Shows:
2h42m53s
